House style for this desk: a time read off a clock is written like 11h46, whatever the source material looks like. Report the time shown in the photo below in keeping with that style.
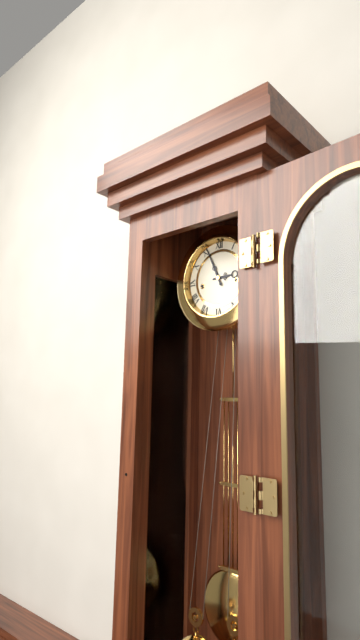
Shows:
2h56
